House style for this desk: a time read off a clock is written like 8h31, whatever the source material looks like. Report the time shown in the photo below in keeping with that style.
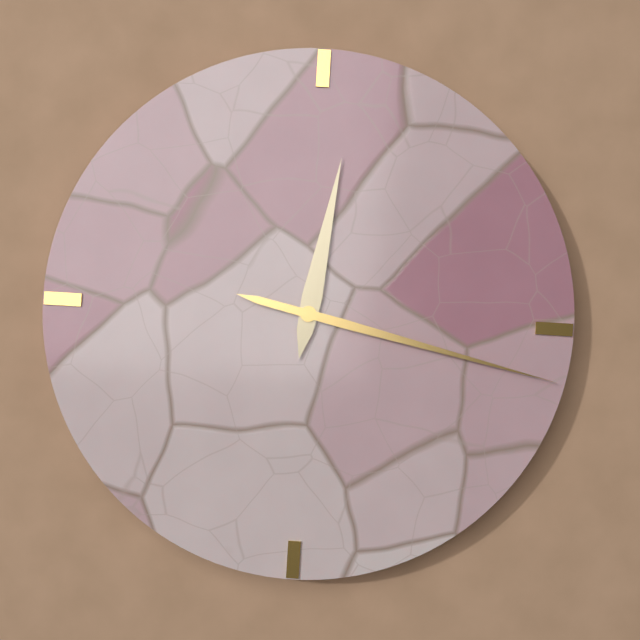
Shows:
12h17
